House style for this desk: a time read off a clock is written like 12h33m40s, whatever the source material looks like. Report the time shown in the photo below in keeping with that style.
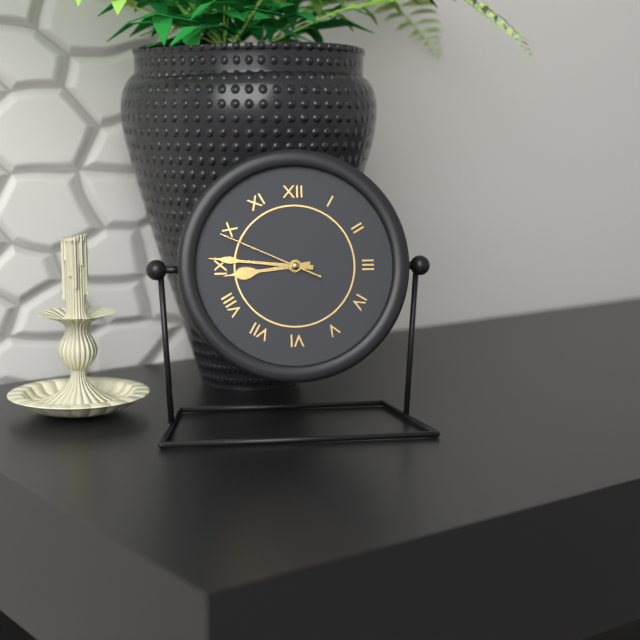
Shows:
8h46m49s
